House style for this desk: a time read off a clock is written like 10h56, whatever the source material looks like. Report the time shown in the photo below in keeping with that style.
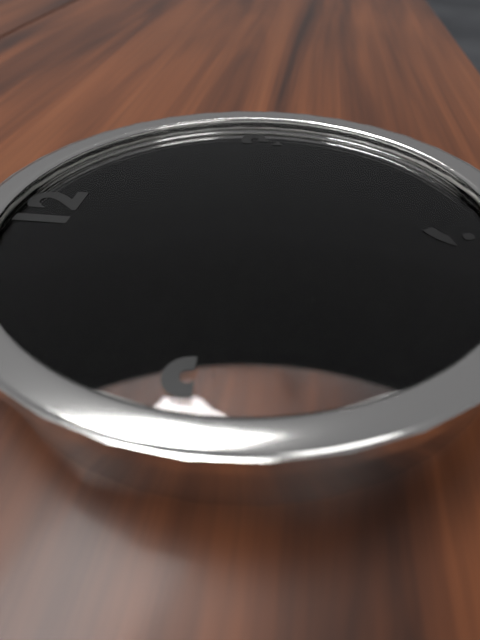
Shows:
8h18
